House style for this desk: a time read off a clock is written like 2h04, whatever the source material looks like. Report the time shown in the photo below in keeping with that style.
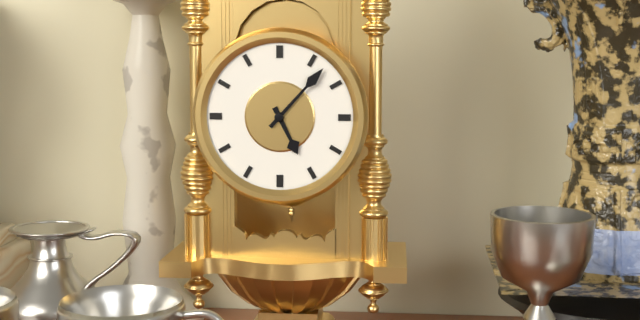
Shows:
5h07
